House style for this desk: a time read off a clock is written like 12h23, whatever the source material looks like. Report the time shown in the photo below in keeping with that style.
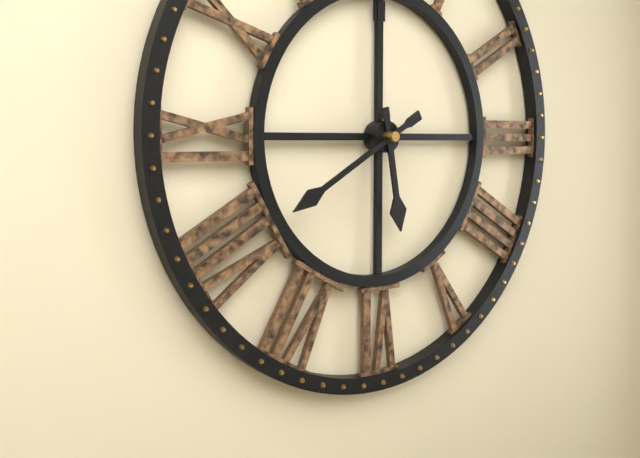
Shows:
5h40
